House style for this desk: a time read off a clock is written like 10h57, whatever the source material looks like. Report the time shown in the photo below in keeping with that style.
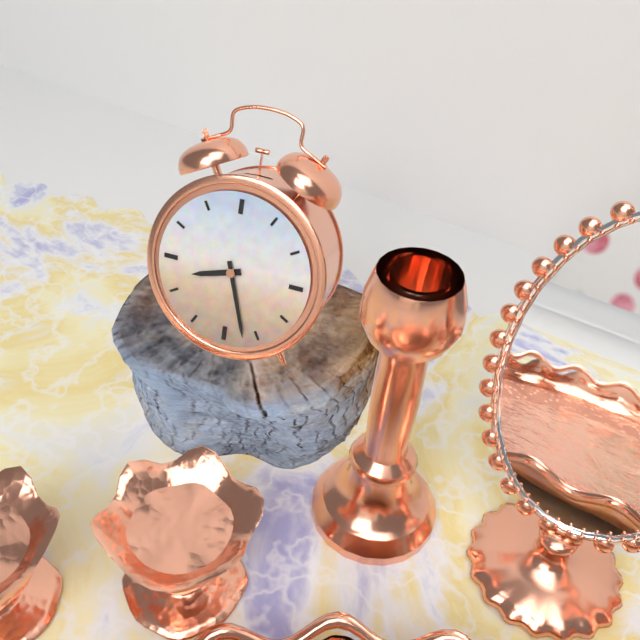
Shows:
8h27
